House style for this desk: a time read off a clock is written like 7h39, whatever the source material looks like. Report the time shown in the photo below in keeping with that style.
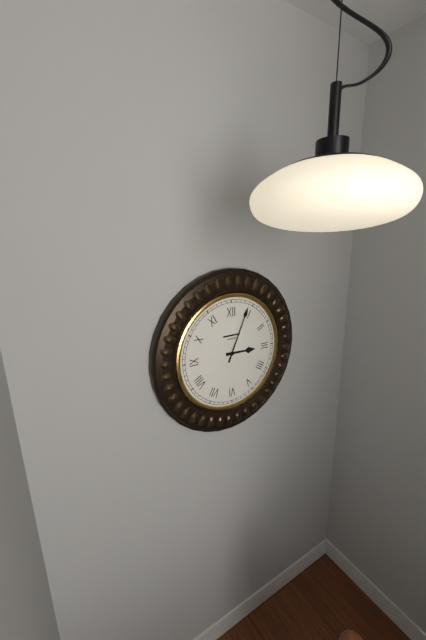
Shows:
3h04
